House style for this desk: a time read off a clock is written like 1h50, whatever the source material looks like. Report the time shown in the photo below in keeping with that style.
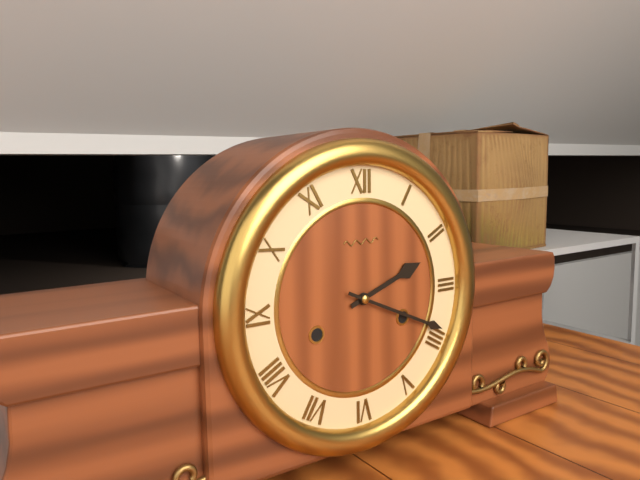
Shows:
2h19
